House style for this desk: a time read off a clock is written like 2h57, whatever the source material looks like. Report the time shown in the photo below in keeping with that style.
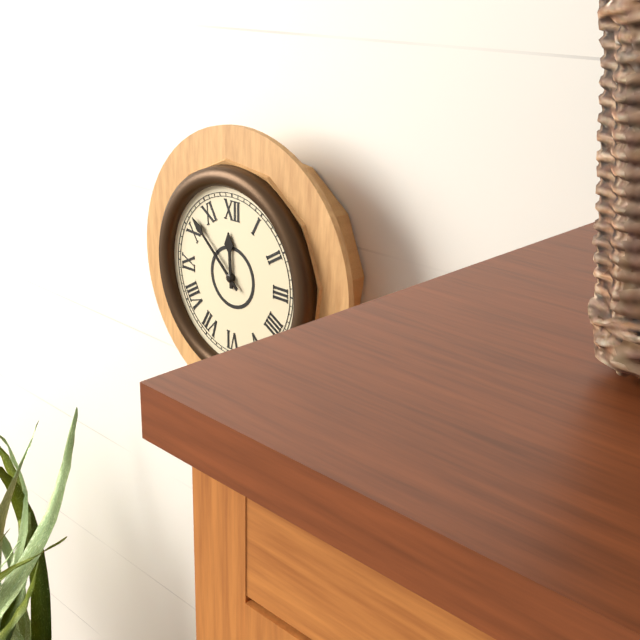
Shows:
11h52
